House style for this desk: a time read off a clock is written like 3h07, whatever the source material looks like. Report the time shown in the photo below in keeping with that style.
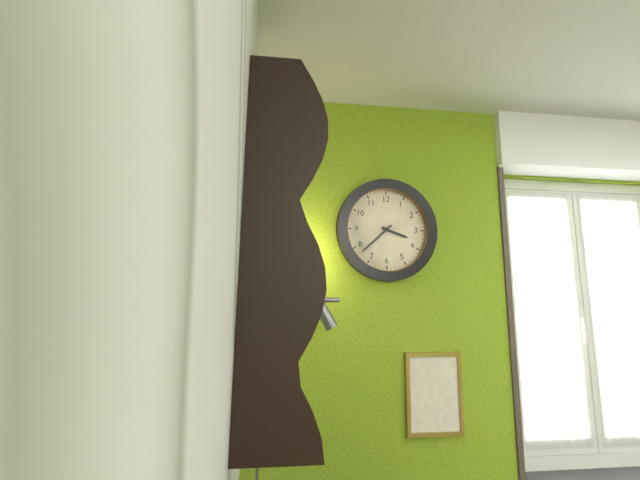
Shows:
3h38
